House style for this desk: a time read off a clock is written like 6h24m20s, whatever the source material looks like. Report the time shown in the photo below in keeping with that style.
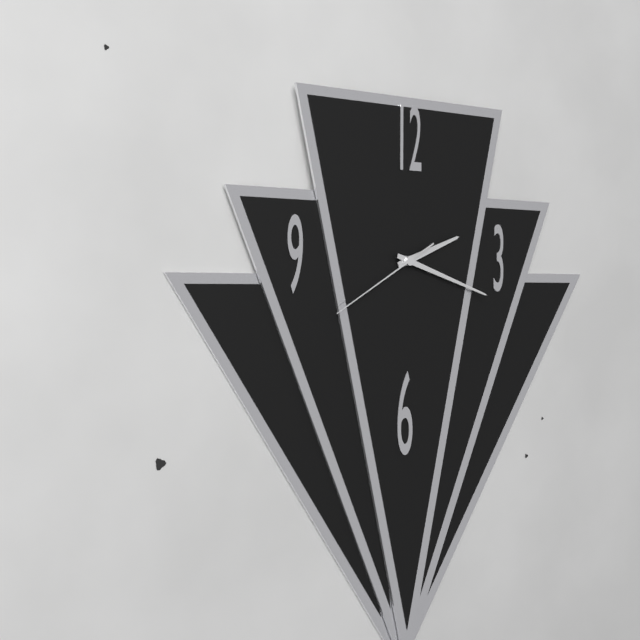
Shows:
2h18m40s
